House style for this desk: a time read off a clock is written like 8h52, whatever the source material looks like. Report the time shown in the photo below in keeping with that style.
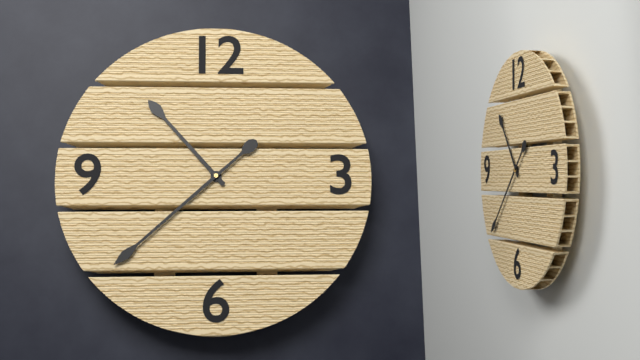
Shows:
10h38
